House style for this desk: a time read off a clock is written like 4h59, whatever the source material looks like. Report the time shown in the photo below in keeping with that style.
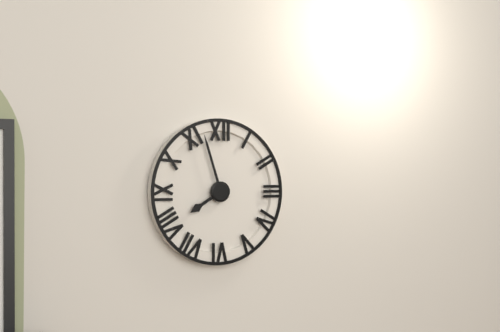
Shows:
7h57
